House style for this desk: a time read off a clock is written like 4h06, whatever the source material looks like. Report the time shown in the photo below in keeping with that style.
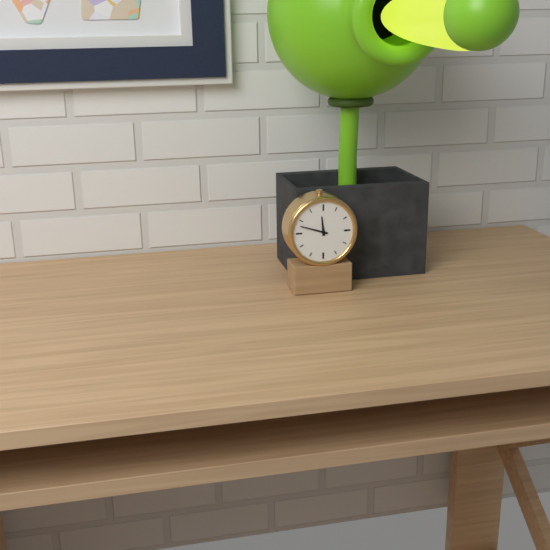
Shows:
11h48
